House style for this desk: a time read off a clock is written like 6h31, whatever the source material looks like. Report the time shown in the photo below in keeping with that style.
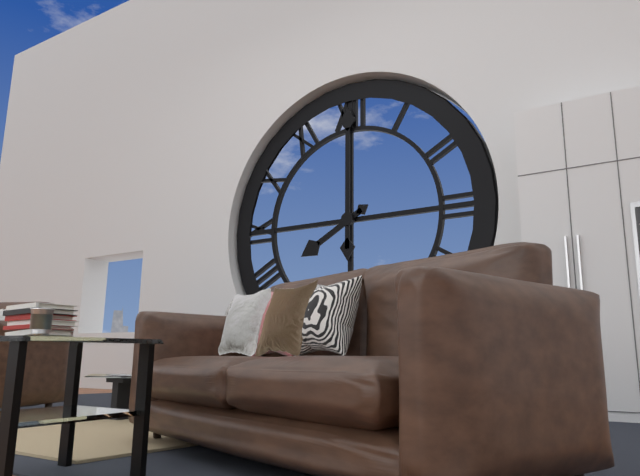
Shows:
8h00
